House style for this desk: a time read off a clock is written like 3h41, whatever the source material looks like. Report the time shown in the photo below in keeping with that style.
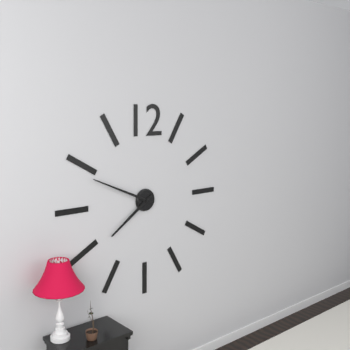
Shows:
7h49
